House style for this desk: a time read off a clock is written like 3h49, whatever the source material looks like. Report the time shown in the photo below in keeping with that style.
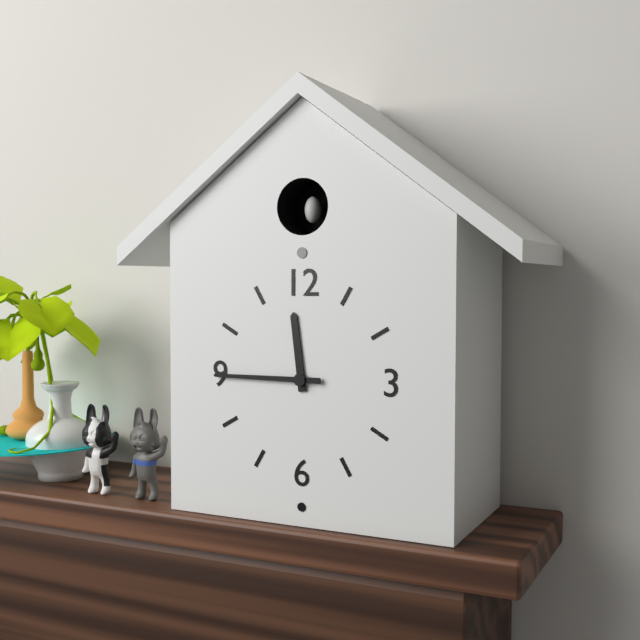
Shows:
11h45
